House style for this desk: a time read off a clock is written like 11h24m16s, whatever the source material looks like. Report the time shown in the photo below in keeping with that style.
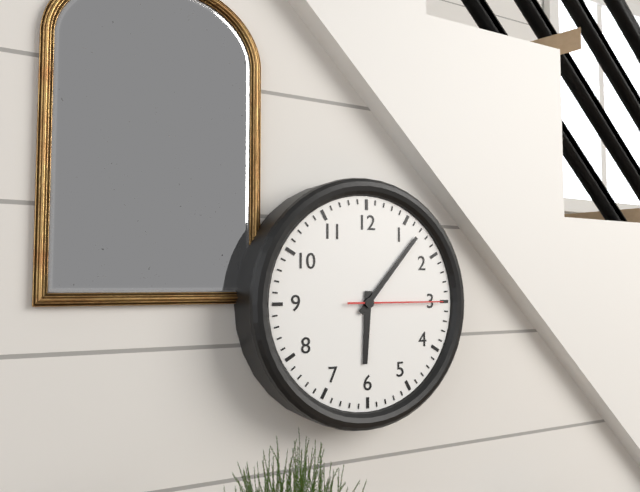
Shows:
6h07m15s
